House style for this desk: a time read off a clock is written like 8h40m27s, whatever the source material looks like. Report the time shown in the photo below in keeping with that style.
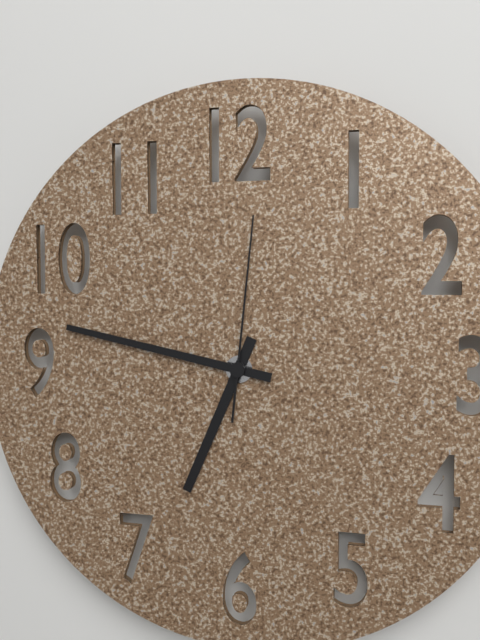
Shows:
6h47m01s
